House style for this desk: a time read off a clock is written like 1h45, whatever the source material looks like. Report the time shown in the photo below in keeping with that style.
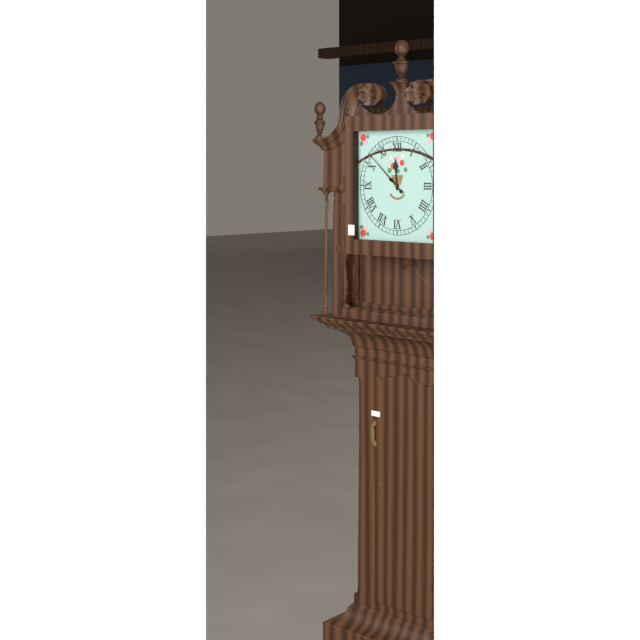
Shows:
11h52
